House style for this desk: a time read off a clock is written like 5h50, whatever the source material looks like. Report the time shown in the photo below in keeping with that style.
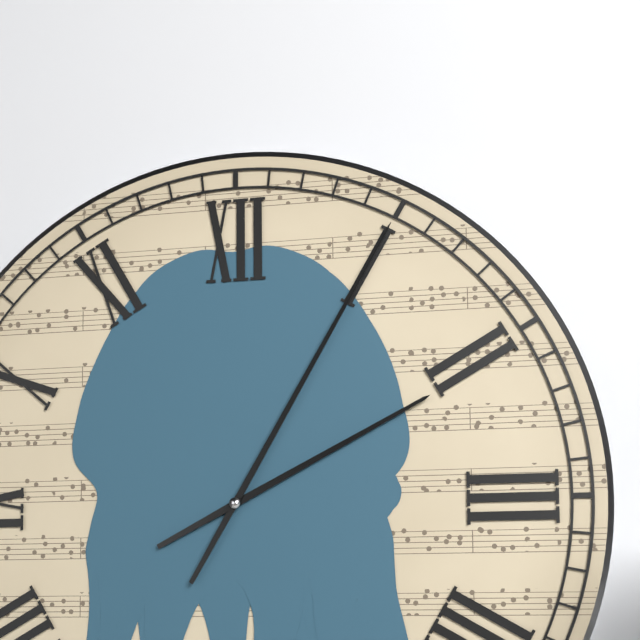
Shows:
2h05
